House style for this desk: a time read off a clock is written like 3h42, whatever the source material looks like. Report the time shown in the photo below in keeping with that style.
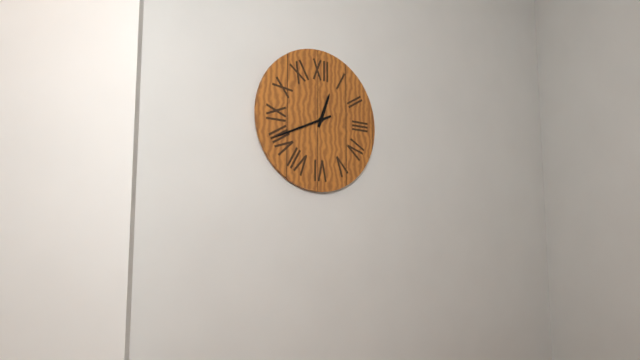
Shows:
12h41
